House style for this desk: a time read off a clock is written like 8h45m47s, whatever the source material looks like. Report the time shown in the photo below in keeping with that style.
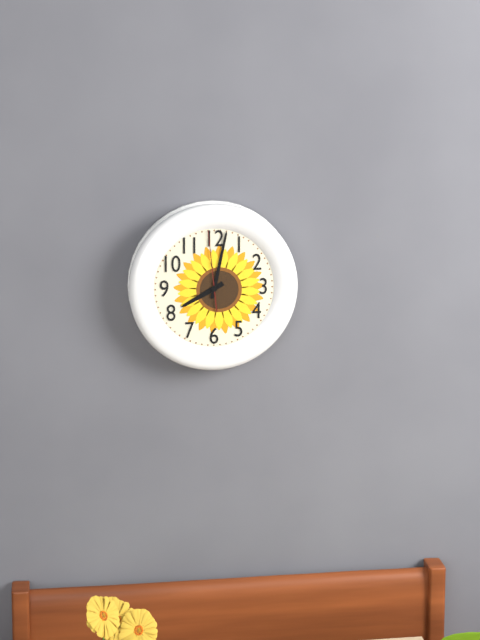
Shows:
8h02m59s
